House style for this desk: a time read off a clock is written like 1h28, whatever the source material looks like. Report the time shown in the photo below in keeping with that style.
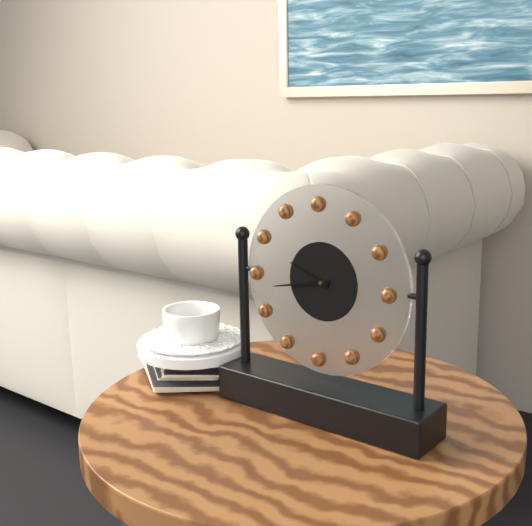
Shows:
9h43
